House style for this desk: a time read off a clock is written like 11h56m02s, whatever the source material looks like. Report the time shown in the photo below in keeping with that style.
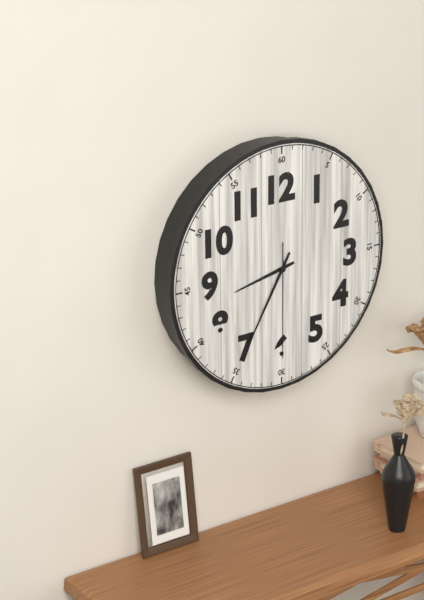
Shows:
8h35m30s
